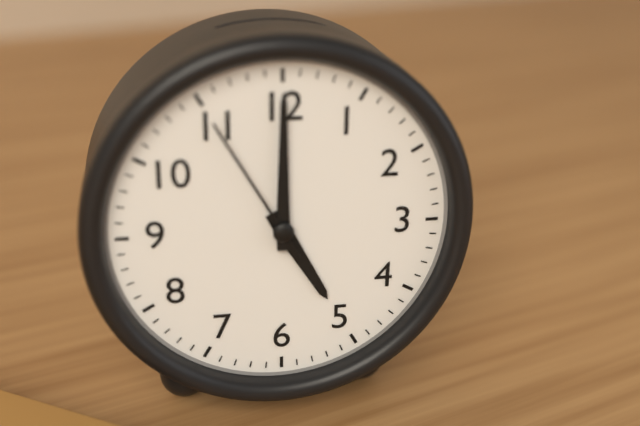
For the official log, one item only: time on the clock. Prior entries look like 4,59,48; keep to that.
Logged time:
5,00,55
